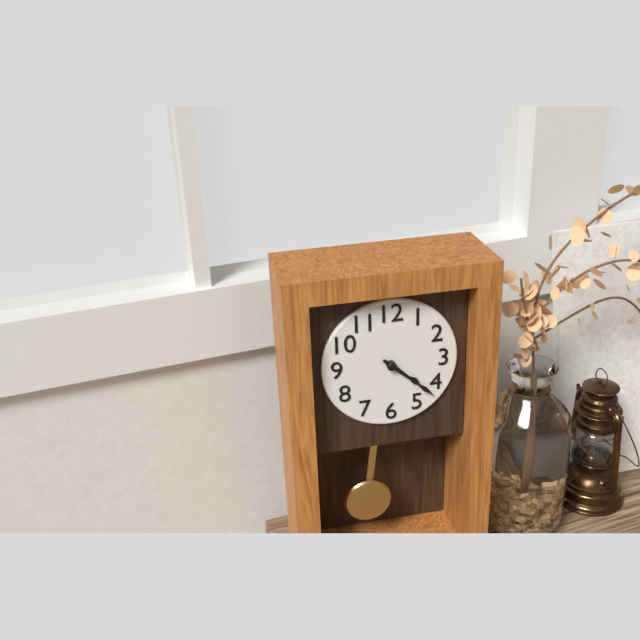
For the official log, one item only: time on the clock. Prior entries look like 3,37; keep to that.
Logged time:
4,22
